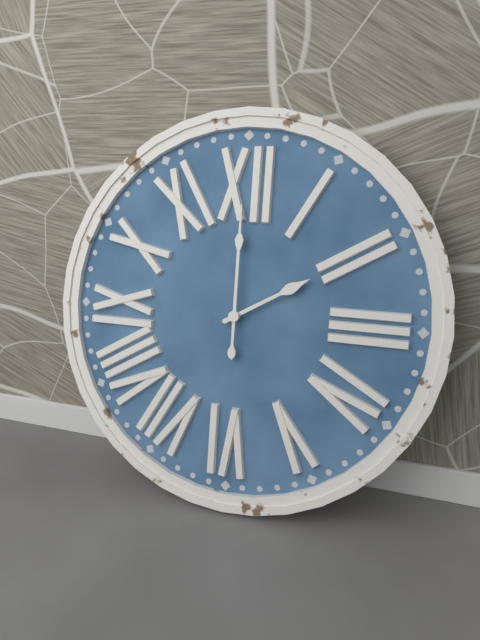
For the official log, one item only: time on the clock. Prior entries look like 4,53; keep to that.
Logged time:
2,00
